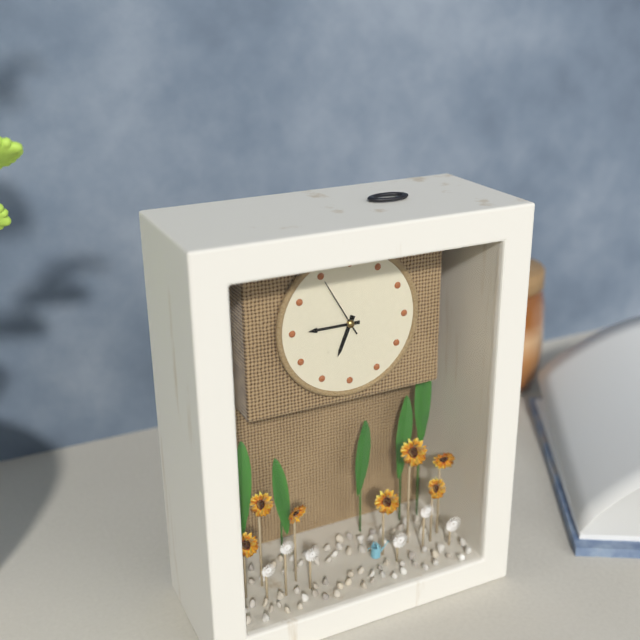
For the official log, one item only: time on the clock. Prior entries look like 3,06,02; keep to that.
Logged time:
6,45,55
